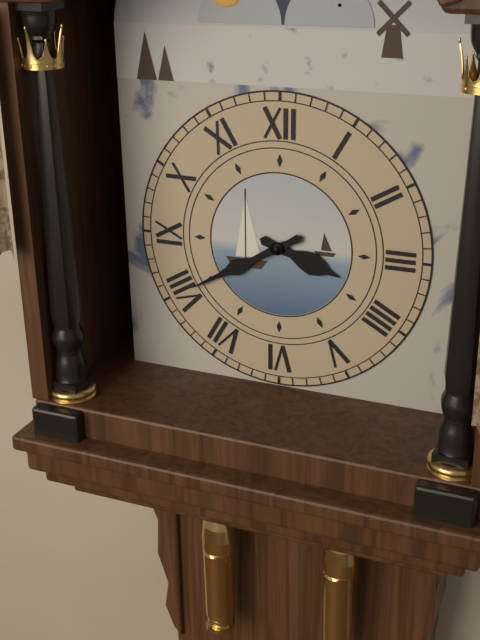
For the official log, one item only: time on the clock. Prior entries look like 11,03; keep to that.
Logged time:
3,40
